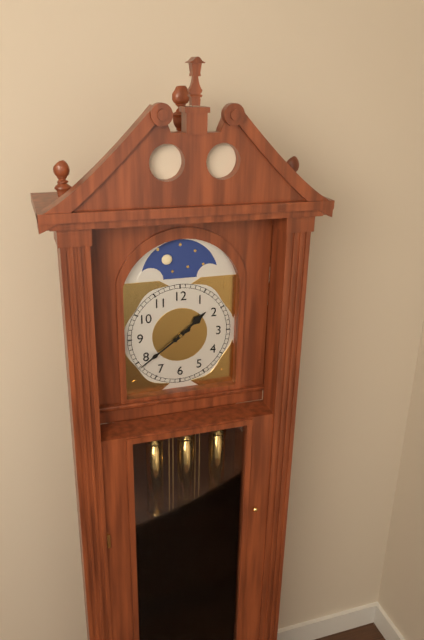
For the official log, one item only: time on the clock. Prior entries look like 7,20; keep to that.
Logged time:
1,39
